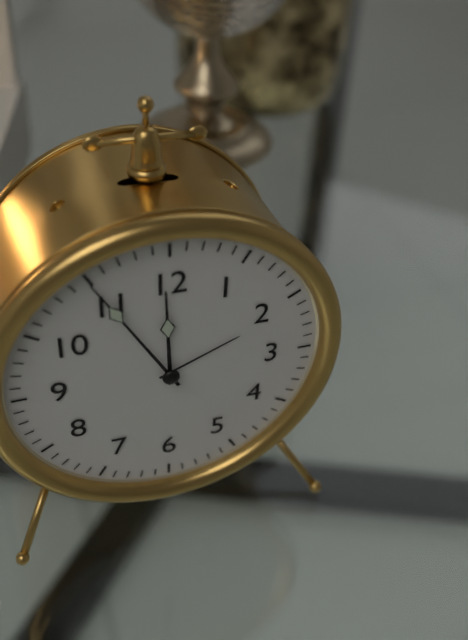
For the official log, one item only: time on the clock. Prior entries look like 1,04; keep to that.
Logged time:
11,55
